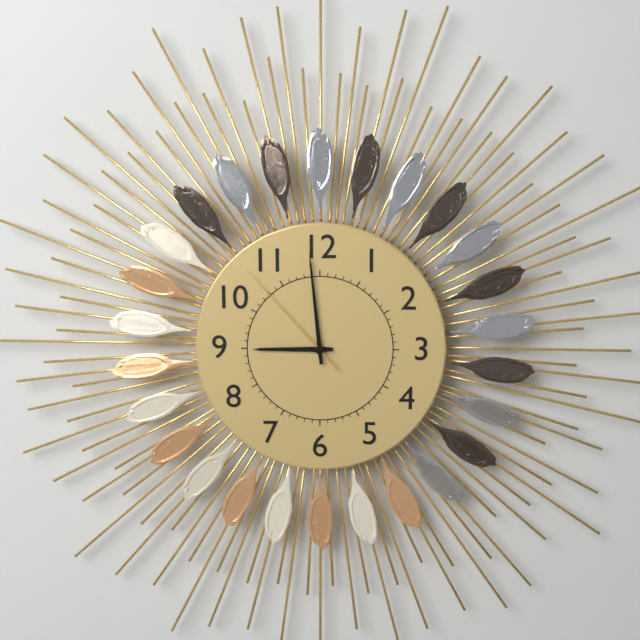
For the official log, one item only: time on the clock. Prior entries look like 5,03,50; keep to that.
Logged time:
8,59,53
